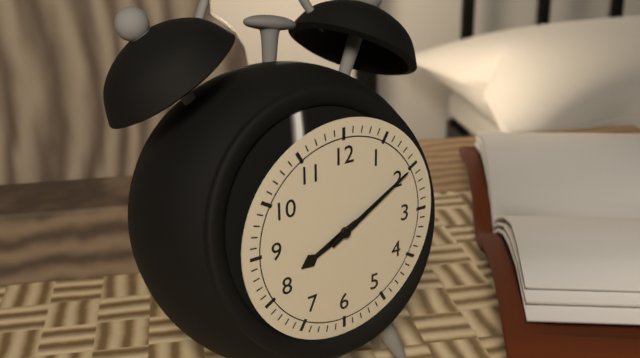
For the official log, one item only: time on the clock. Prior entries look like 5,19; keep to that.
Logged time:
8,10
